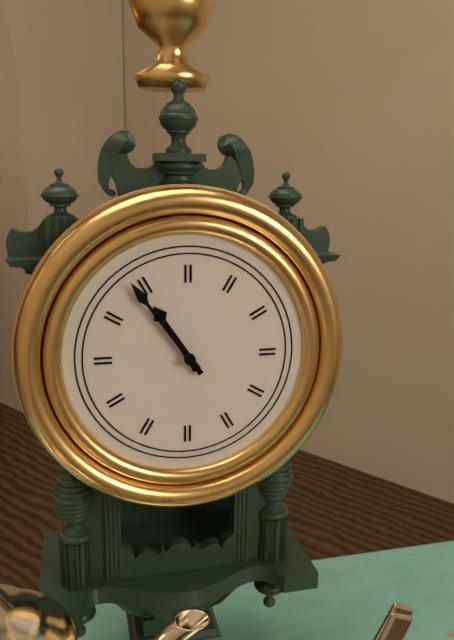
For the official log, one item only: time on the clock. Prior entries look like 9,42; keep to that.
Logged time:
10,54
